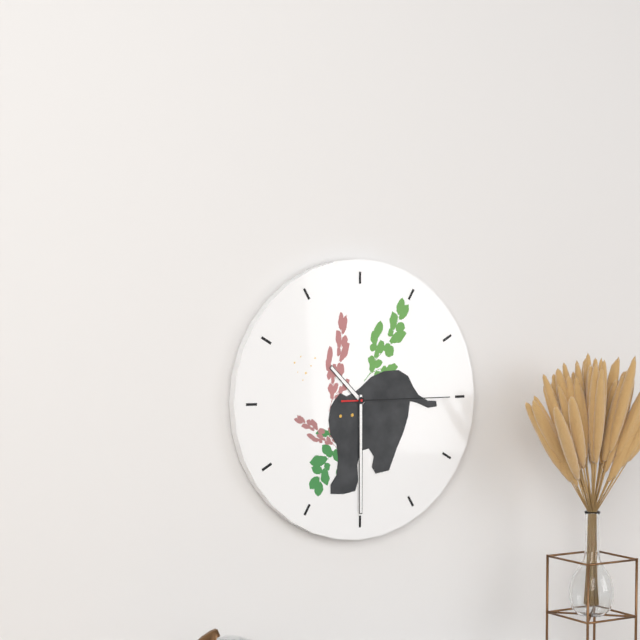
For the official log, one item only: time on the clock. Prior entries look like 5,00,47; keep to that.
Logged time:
10,30,15
